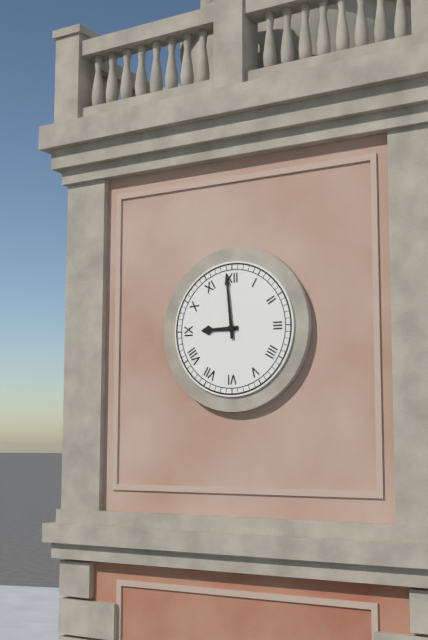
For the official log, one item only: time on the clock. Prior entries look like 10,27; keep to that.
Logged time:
8,59
